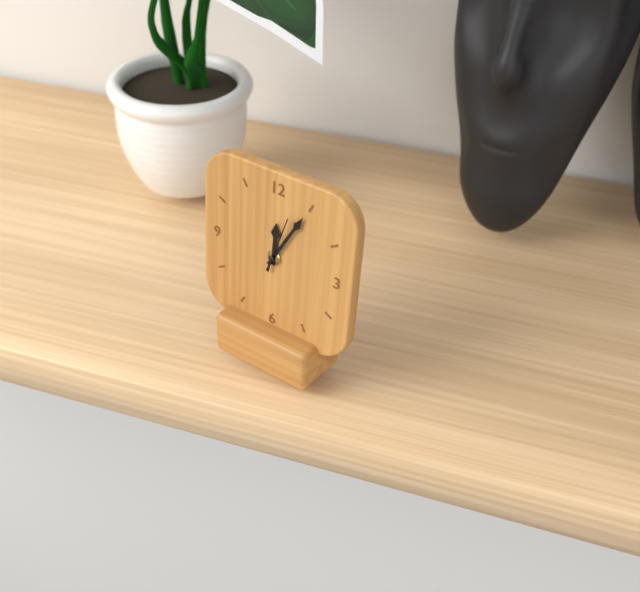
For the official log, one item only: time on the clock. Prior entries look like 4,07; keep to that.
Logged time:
12,05
